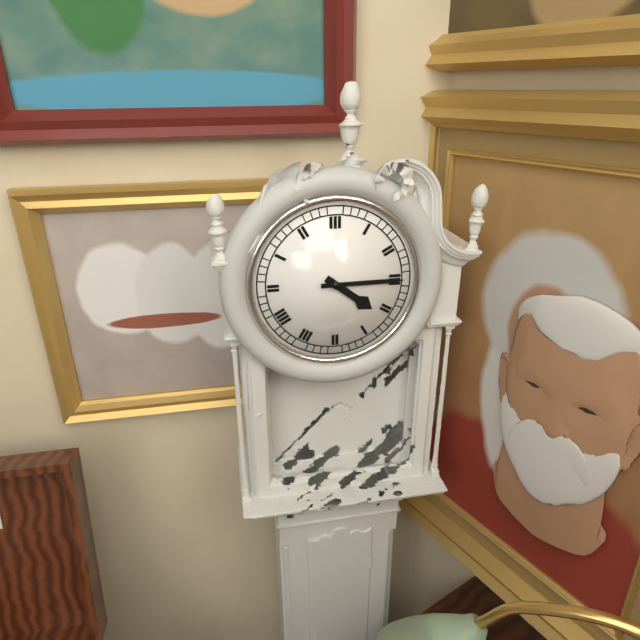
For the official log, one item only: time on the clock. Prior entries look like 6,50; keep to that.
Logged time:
4,15
